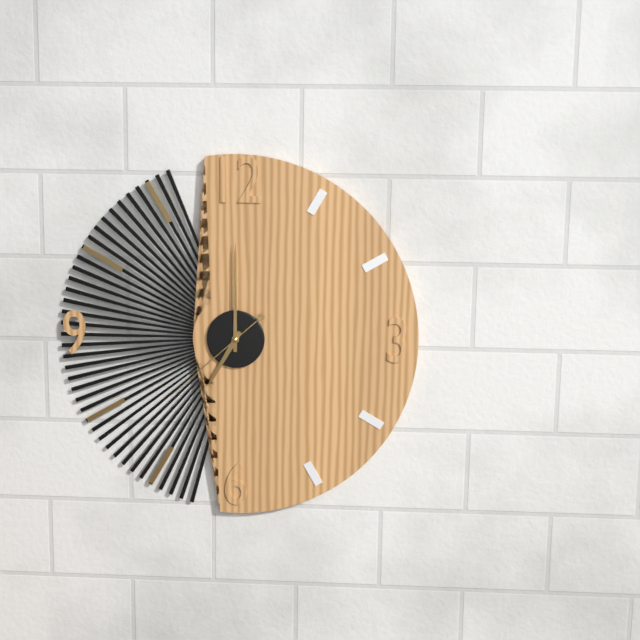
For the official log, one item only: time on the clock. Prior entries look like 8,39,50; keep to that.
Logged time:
7,00,38
